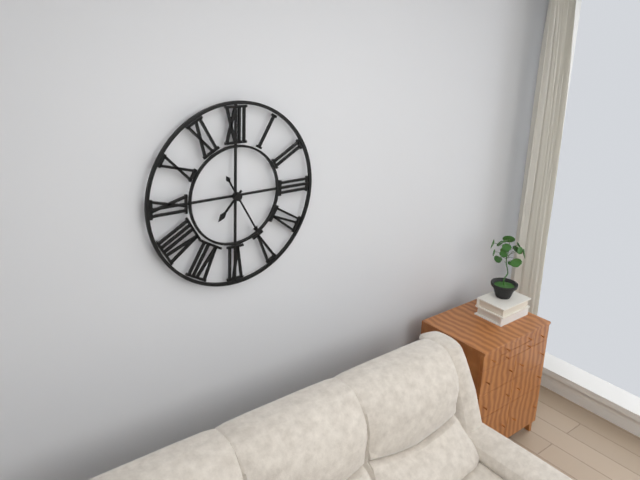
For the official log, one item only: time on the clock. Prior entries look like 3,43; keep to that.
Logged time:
7,25
